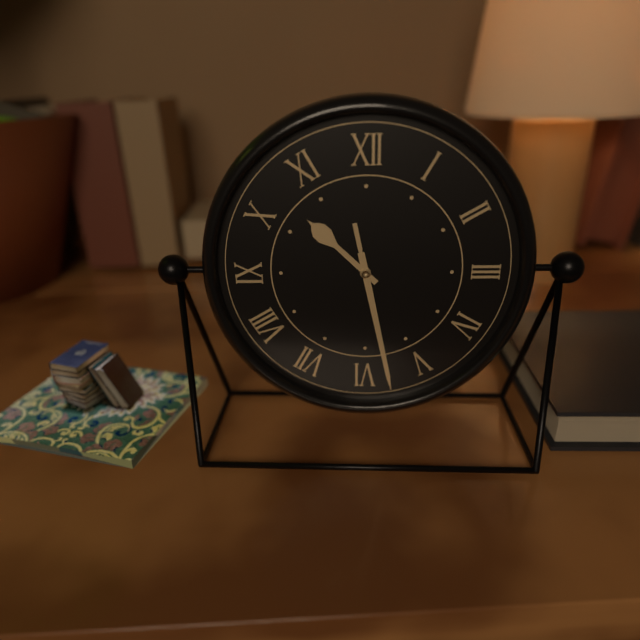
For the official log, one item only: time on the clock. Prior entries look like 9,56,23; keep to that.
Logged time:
10,28,28
